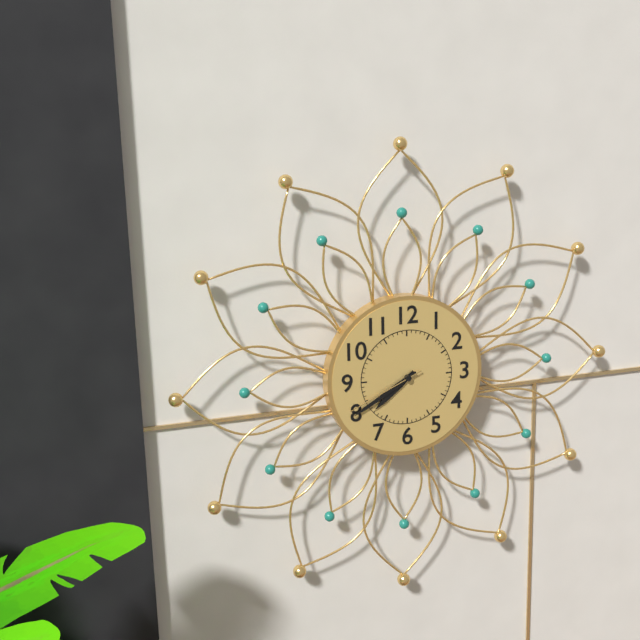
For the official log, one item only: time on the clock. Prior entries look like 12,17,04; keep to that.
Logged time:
7,40,41
